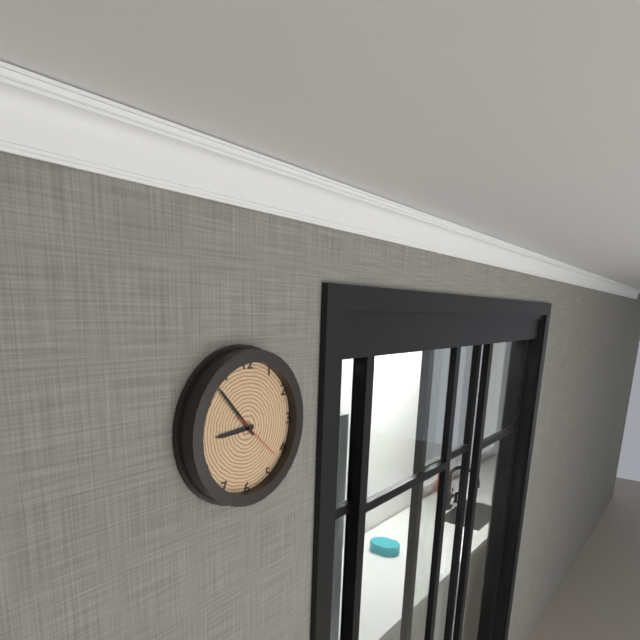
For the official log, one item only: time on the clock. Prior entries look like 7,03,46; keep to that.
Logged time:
8,53,22
